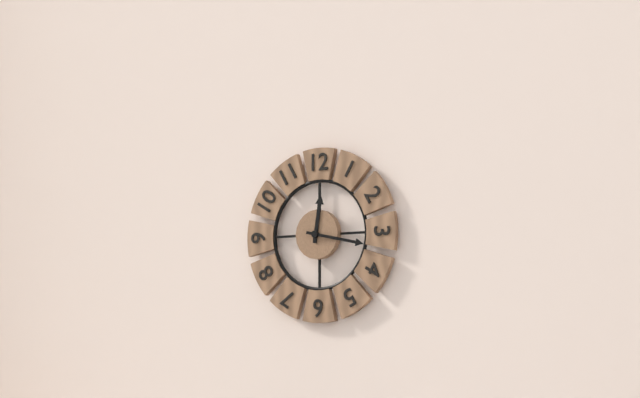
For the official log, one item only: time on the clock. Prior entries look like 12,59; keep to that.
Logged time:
12,17
